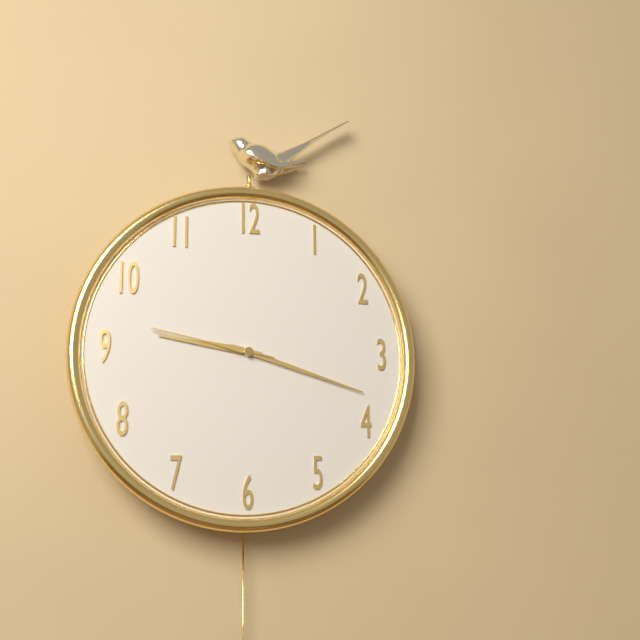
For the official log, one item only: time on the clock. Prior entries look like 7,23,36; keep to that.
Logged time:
9,18,47
